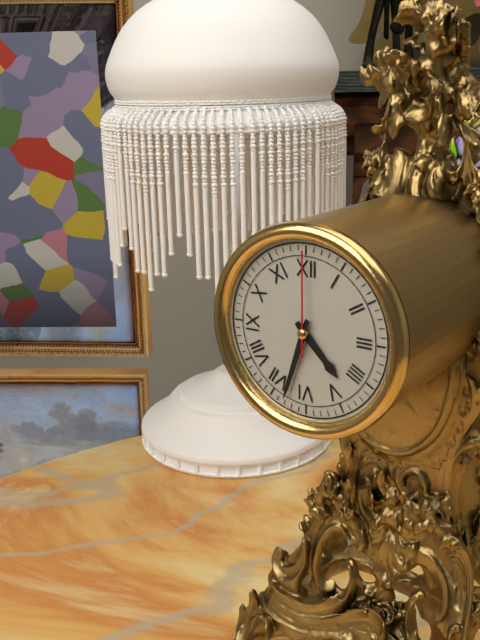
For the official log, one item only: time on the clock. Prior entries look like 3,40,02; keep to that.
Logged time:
4,33,00
